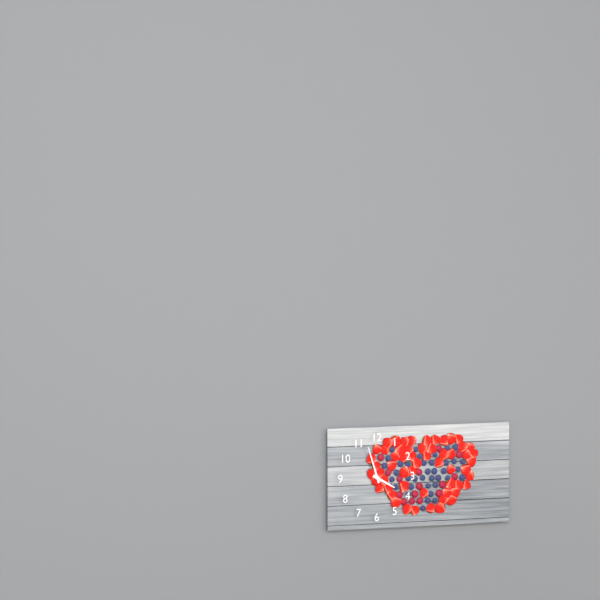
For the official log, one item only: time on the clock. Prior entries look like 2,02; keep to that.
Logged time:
3,57
